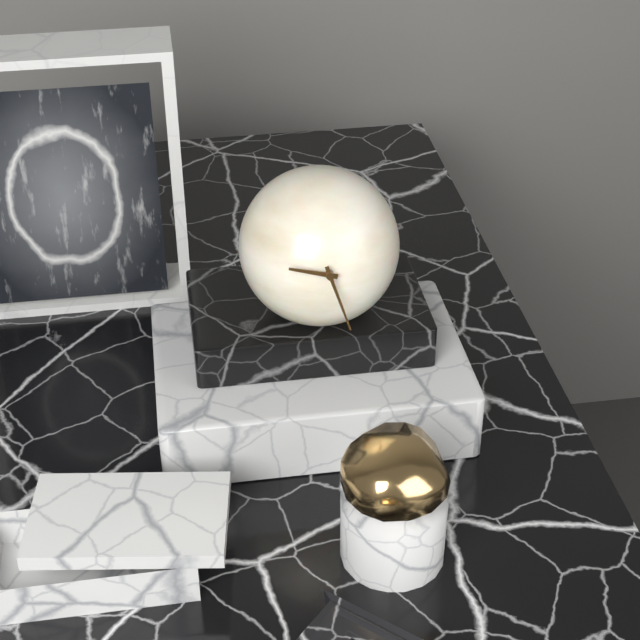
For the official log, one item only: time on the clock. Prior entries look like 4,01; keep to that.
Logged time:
9,27
